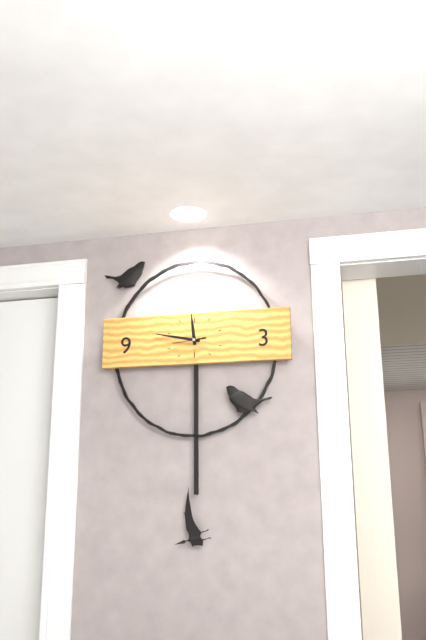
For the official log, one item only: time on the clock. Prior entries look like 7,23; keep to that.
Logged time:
11,47
